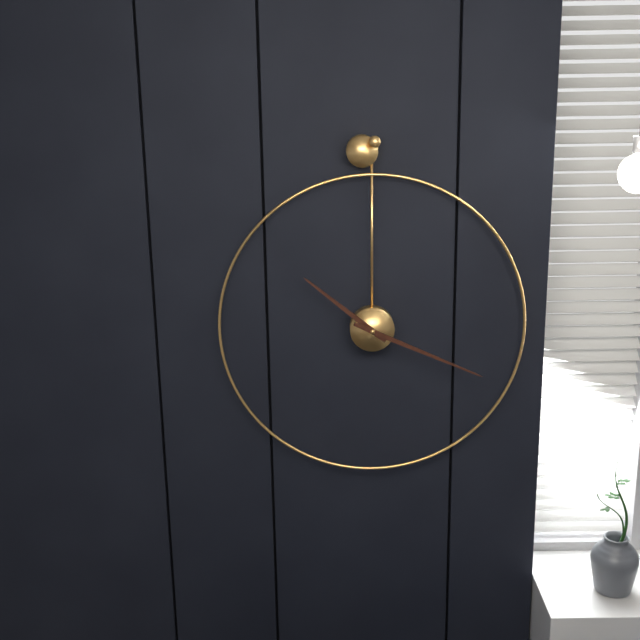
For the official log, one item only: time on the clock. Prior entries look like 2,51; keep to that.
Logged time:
10,19
